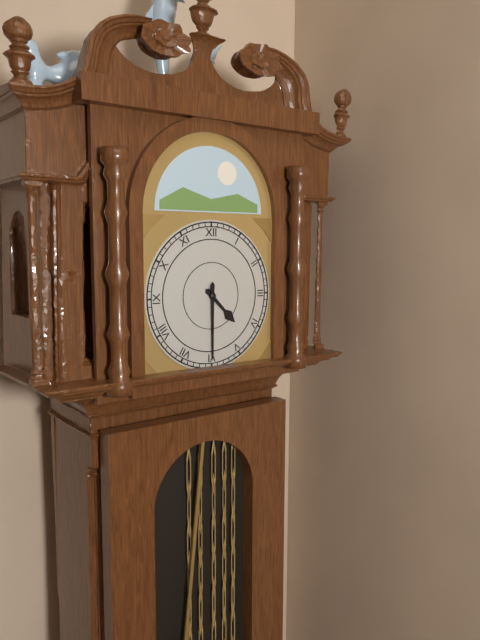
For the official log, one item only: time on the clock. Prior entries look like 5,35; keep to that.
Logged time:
4,30
